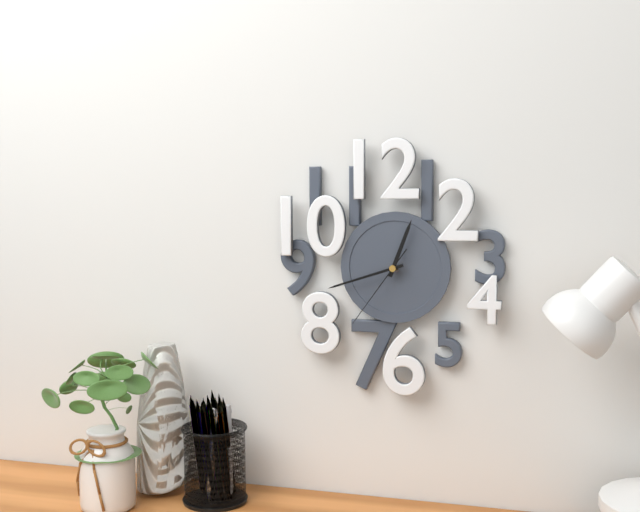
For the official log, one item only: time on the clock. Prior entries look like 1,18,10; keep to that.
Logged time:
12,42,36
